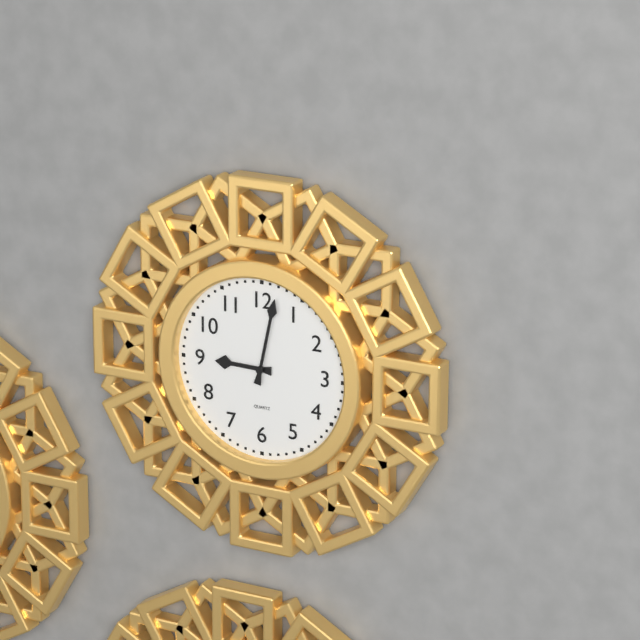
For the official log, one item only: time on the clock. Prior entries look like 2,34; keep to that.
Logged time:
9,02
